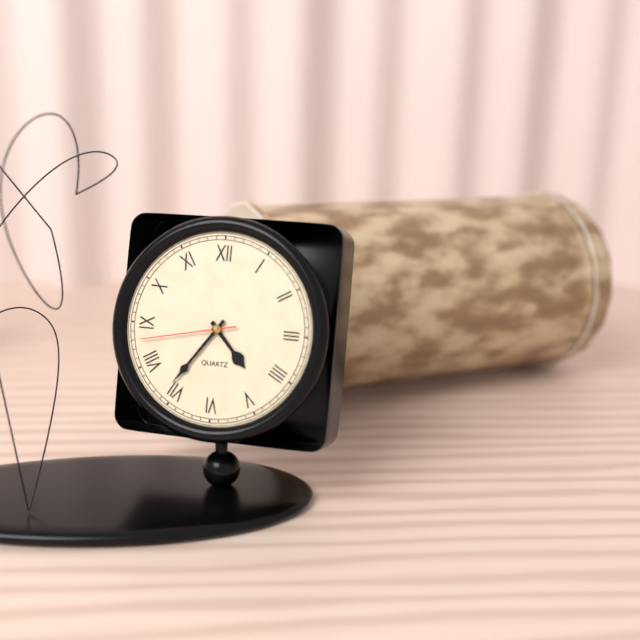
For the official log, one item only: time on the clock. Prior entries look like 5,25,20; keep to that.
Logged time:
4,36,43
